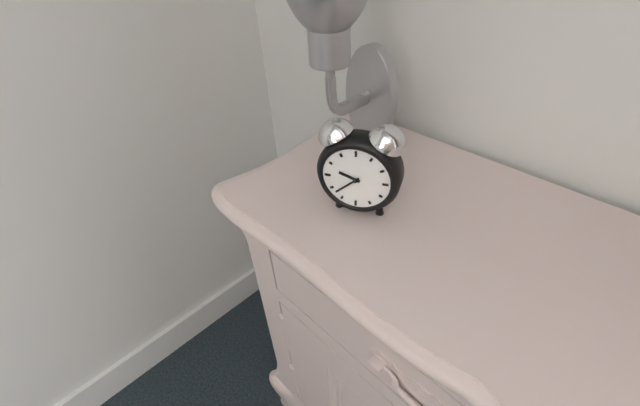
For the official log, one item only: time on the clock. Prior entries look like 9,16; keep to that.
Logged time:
9,38
